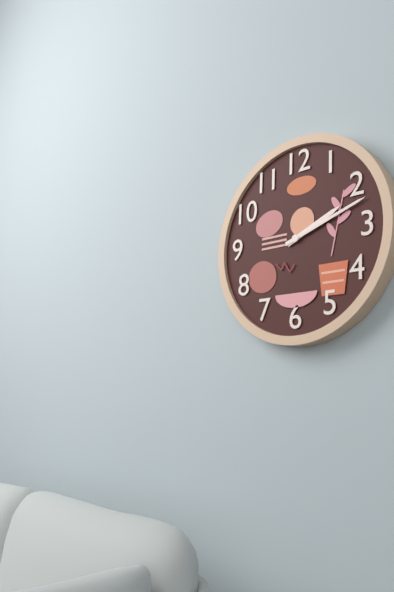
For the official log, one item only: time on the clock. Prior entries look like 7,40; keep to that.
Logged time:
2,12
